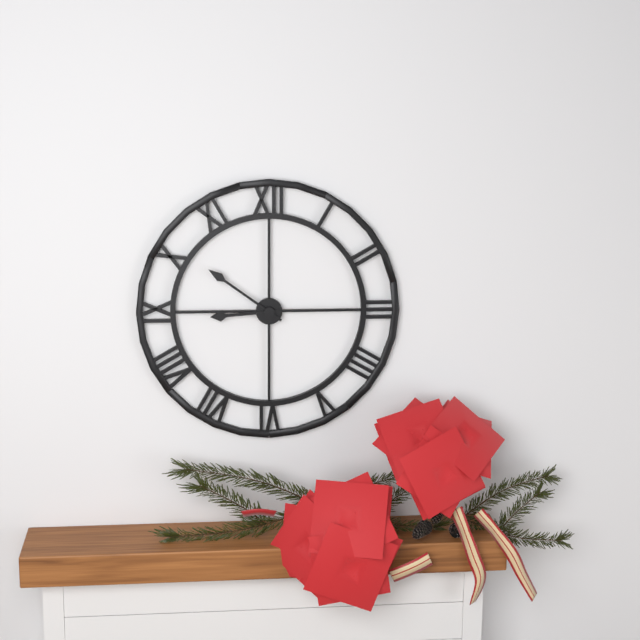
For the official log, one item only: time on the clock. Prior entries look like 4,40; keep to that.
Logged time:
8,51
